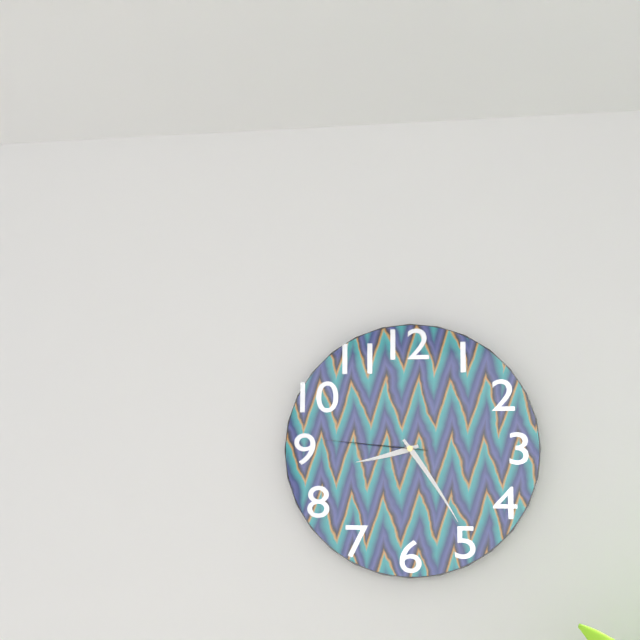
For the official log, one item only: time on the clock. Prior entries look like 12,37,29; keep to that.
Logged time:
8,24,46
